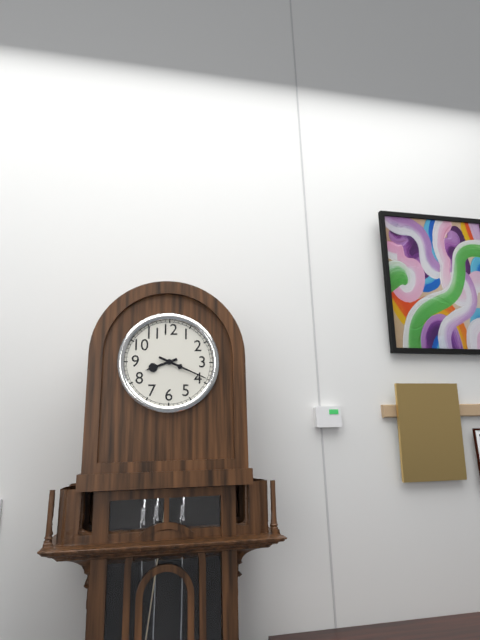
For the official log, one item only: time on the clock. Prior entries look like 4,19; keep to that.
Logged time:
8,19
